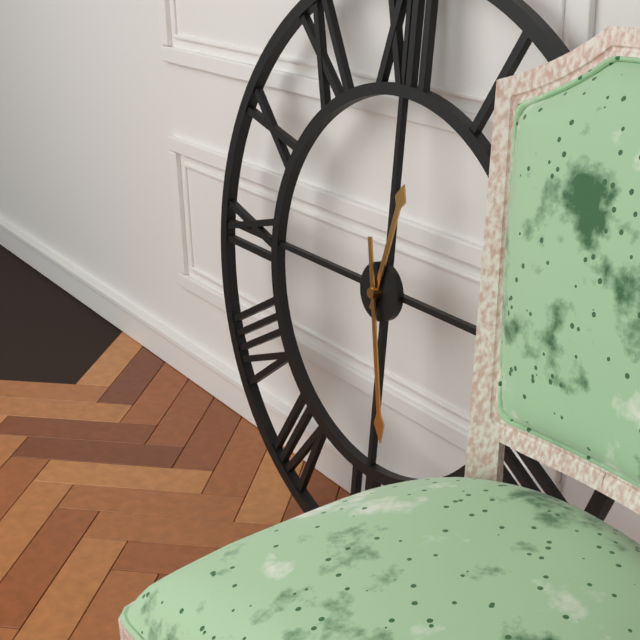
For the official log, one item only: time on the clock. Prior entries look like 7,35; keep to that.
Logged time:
12,28
